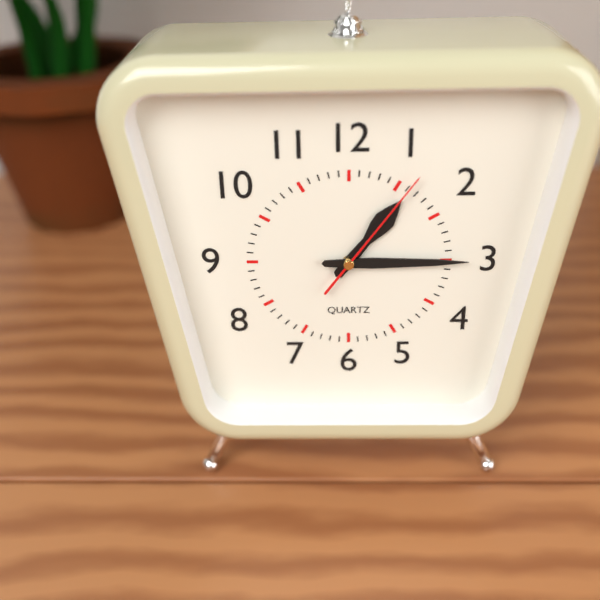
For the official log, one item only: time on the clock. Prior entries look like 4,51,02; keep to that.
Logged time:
1,15,06
